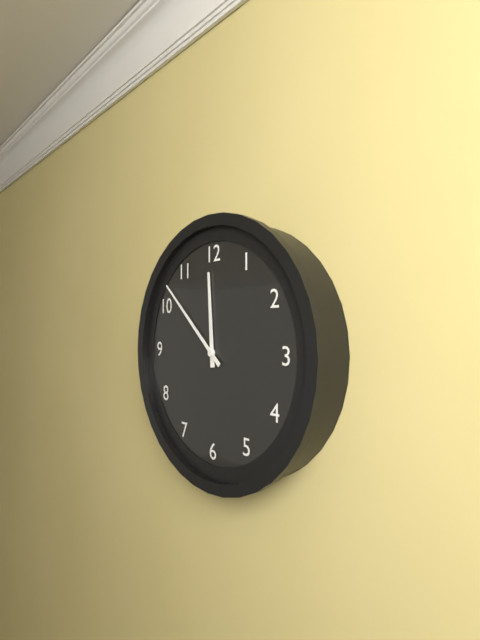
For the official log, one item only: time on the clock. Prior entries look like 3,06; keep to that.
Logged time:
11,52
